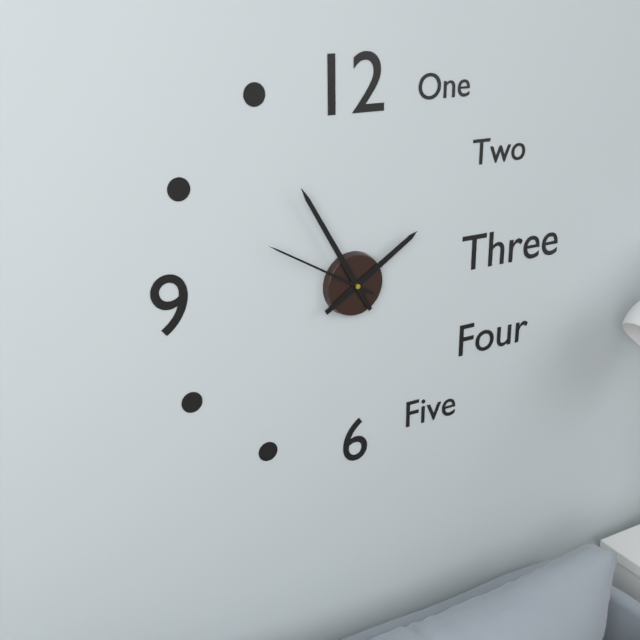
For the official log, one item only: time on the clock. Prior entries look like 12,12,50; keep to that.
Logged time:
1,55,50
